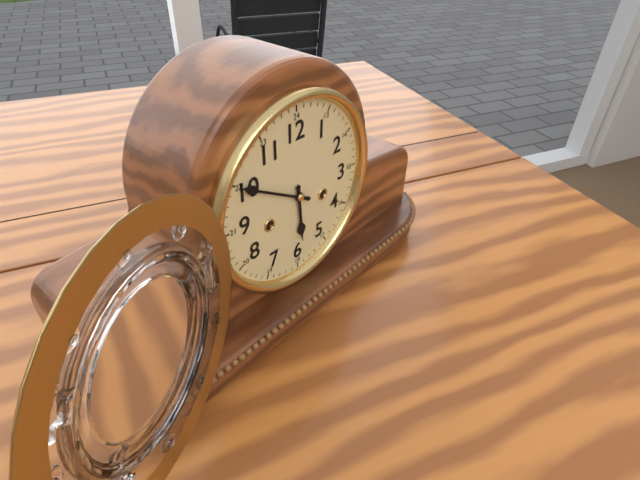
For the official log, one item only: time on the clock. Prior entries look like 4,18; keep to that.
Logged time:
5,50
